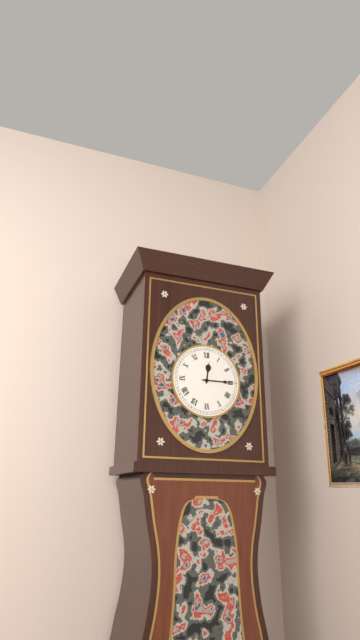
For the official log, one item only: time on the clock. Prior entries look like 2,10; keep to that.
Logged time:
12,15
